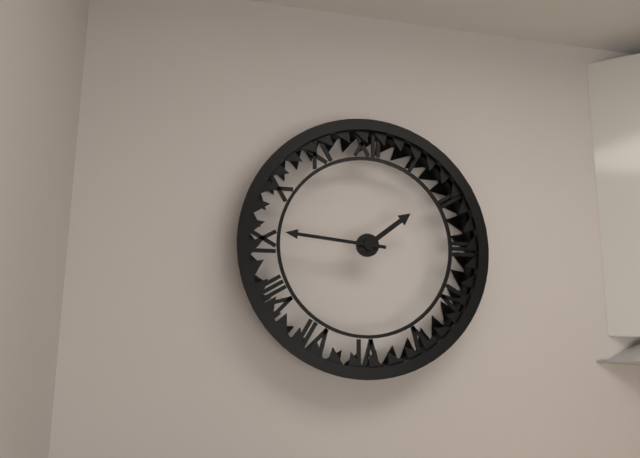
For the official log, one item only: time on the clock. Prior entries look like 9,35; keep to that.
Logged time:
1,46
